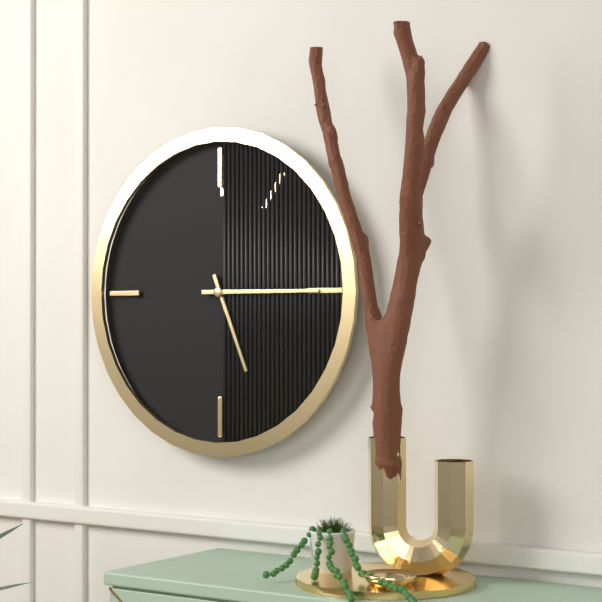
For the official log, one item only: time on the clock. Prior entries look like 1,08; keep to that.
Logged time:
5,15
